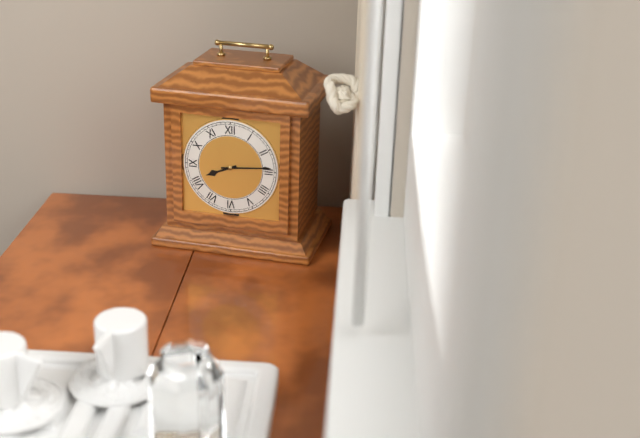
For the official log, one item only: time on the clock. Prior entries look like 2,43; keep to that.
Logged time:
8,14
